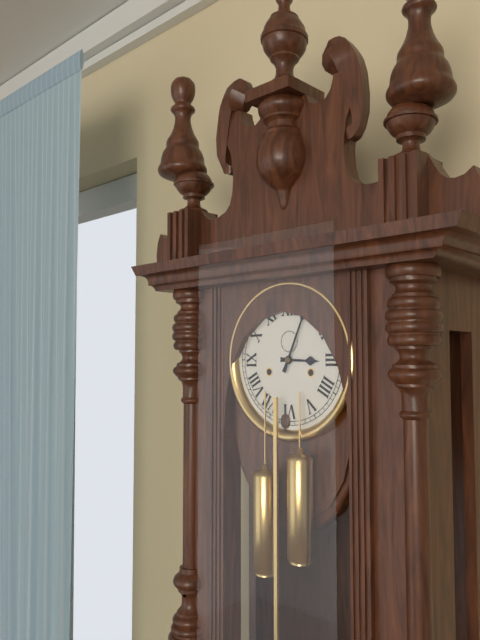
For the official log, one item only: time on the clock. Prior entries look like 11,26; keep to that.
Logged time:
3,04
